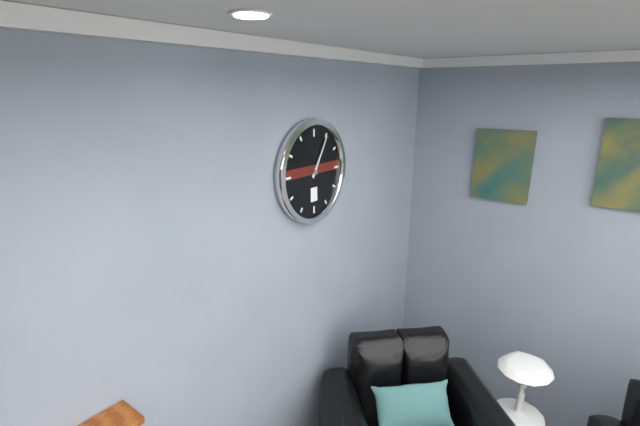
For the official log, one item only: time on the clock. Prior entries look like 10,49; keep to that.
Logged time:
1,05
